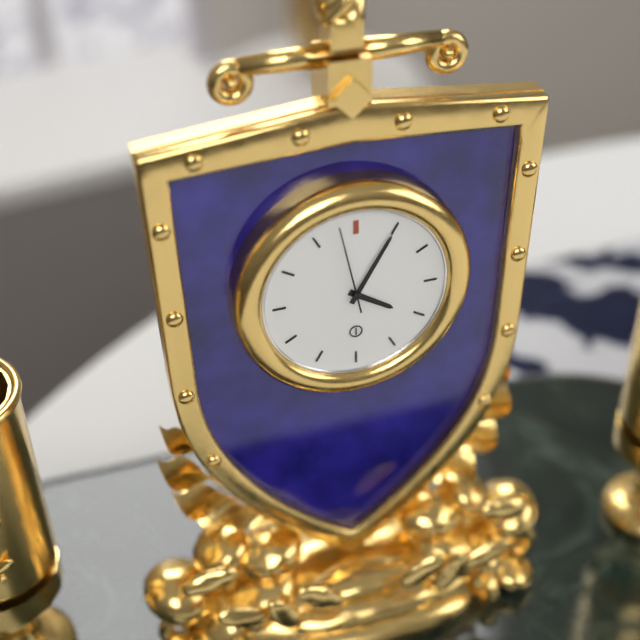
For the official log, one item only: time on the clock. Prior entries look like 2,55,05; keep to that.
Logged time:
4,05,58
